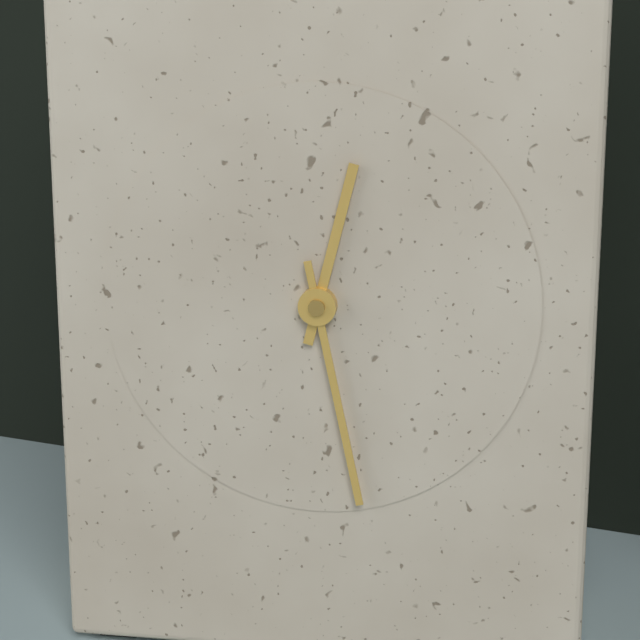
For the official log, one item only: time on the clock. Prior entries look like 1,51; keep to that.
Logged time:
12,28
